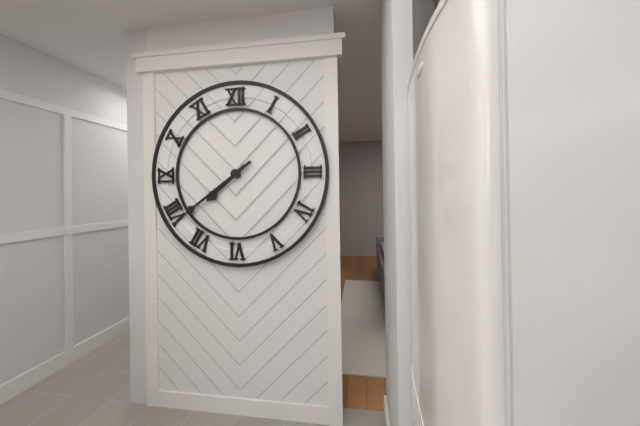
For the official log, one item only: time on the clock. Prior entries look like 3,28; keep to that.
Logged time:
7,39
